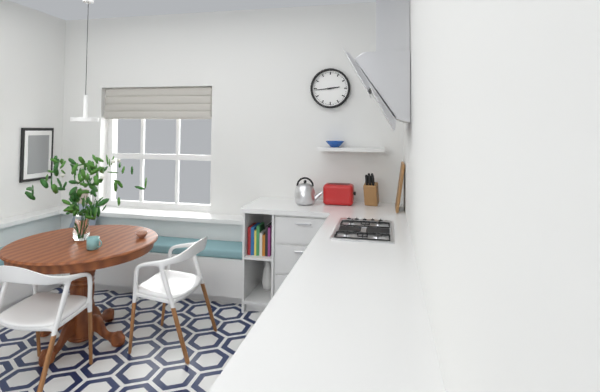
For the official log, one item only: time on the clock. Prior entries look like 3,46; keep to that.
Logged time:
2,44
